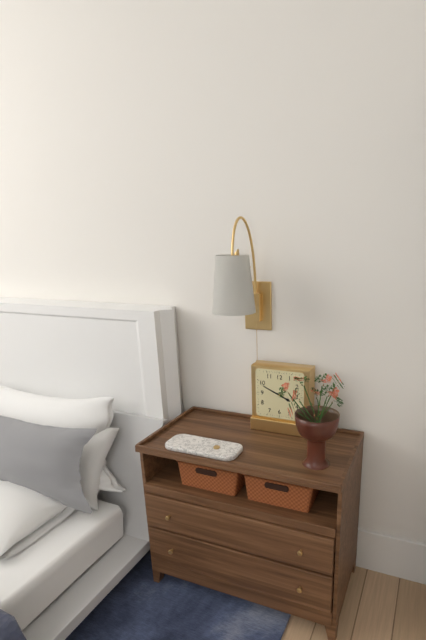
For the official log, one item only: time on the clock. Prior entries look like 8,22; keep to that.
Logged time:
3,49
